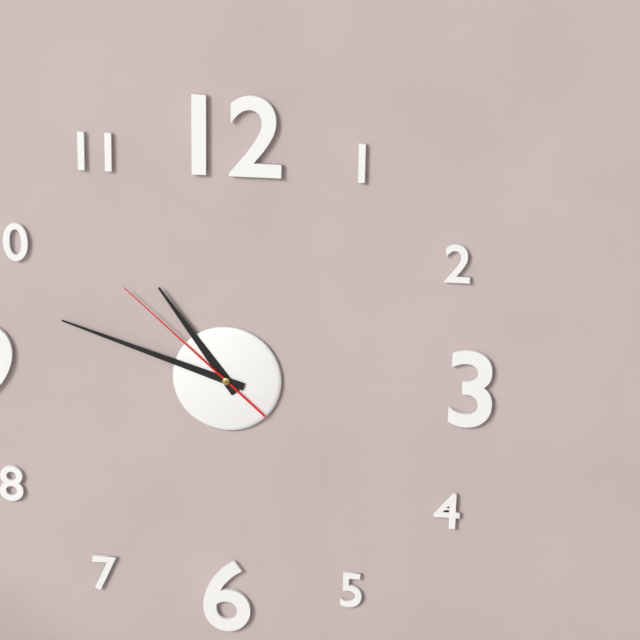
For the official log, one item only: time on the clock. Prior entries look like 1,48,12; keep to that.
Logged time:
10,48,52
